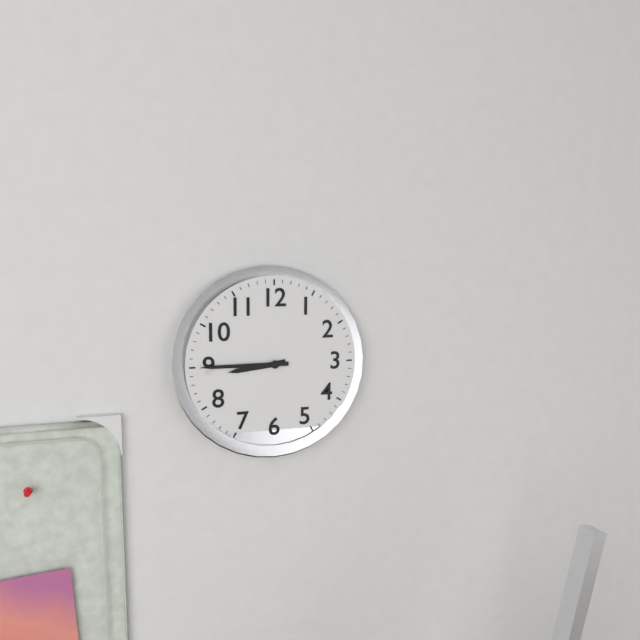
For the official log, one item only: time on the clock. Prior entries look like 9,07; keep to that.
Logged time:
8,45
